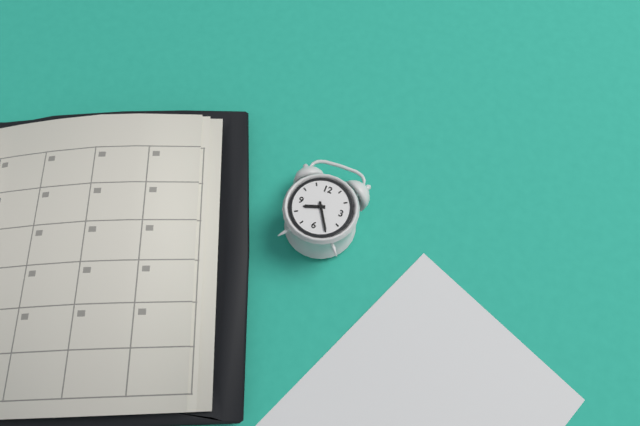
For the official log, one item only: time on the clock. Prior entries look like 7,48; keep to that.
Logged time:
8,25
